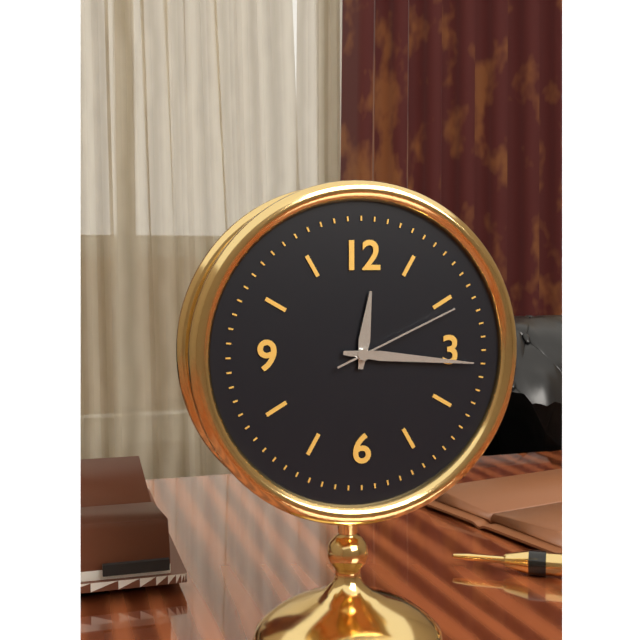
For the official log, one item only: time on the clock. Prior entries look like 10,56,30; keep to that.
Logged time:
12,16,11
